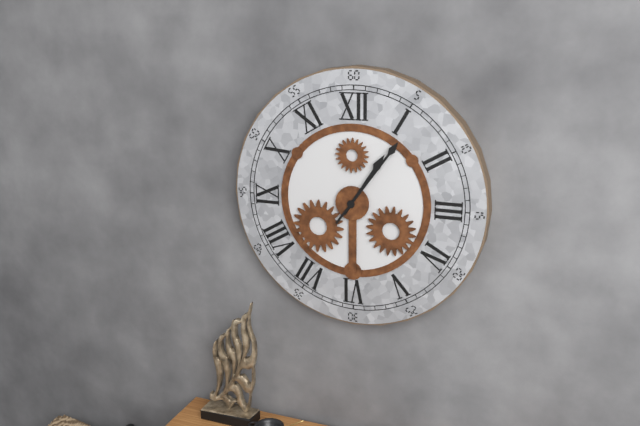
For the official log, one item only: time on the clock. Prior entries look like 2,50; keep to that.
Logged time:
1,06
